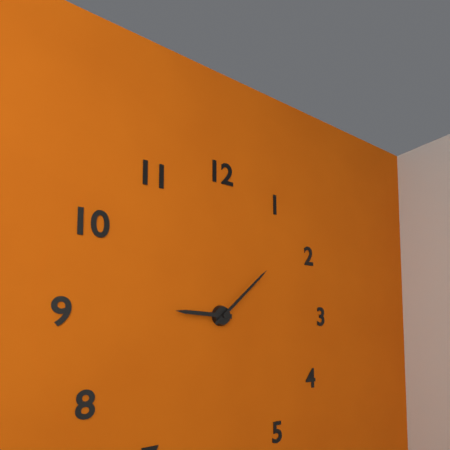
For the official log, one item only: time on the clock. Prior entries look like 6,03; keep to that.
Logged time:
9,08
